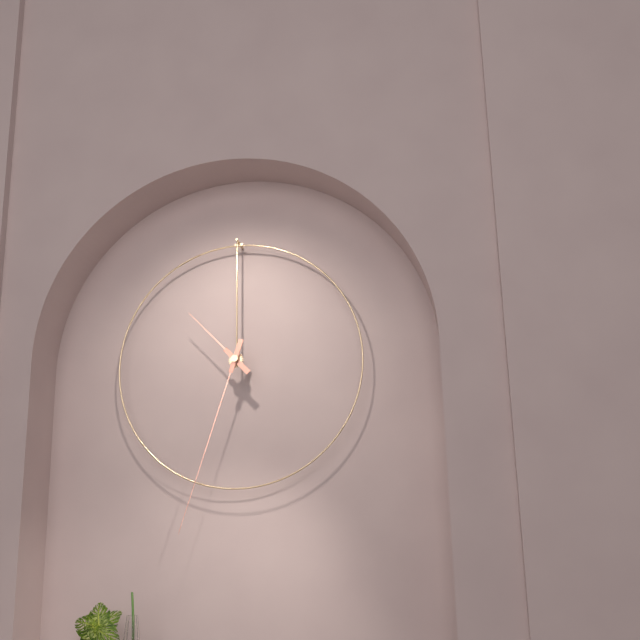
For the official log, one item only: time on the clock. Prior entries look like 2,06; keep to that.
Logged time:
10,33
